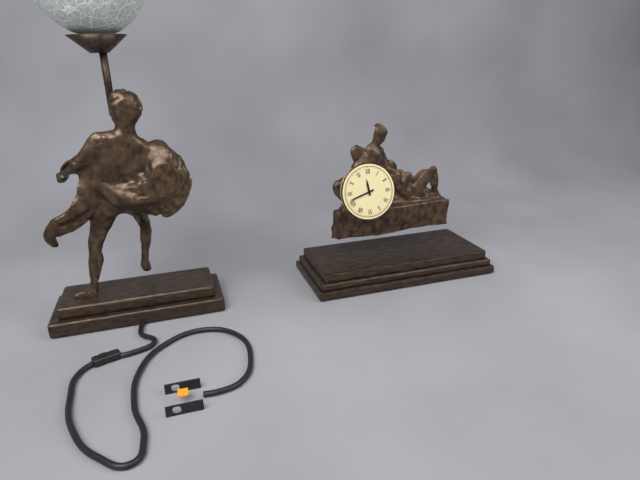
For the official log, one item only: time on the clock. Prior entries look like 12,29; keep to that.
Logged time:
11,42
